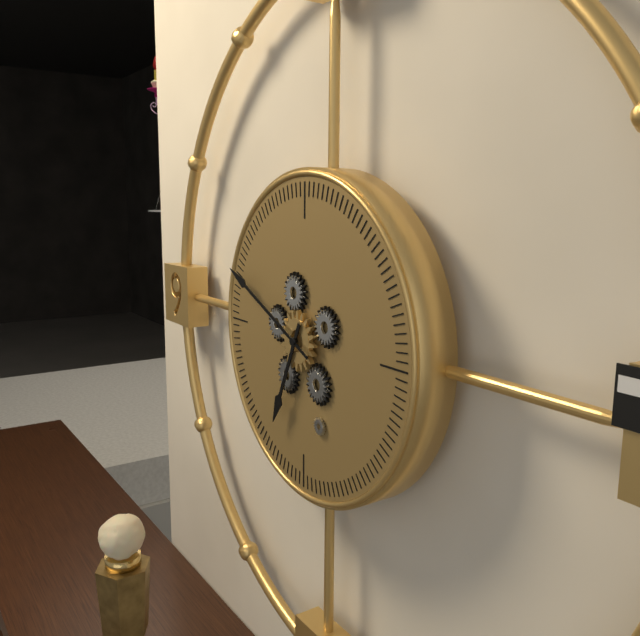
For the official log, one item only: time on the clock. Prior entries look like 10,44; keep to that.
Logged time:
6,49
